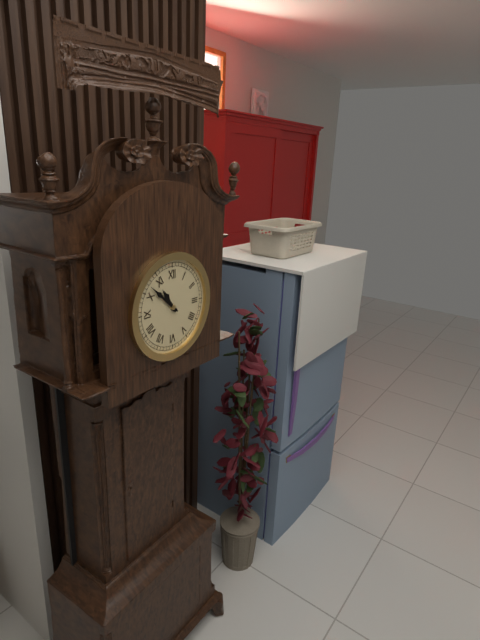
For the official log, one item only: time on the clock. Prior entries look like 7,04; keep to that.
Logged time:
10,52
